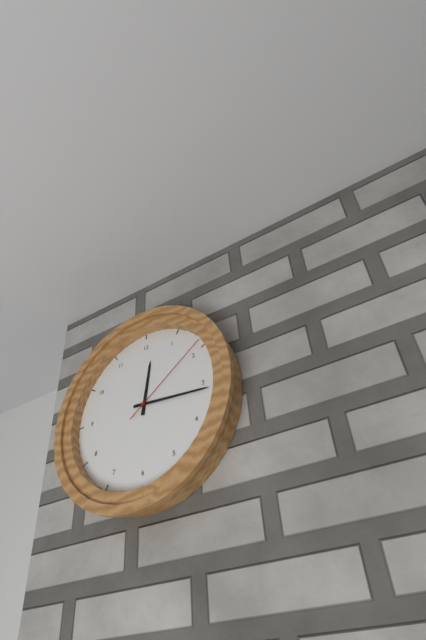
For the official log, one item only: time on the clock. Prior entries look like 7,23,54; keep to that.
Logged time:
12,16,09
